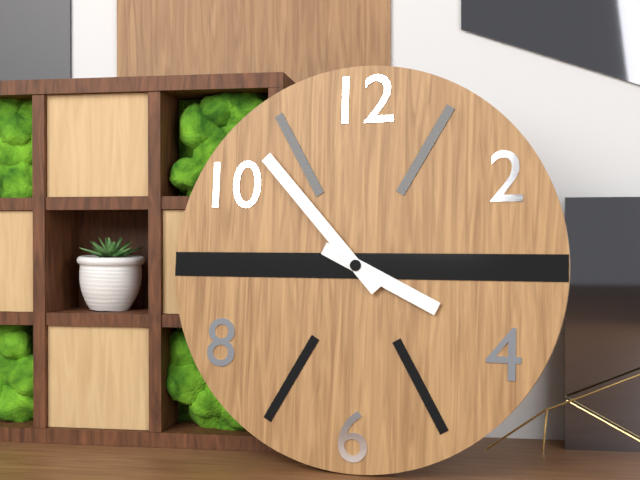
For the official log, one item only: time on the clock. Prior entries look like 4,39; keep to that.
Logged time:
3,53
